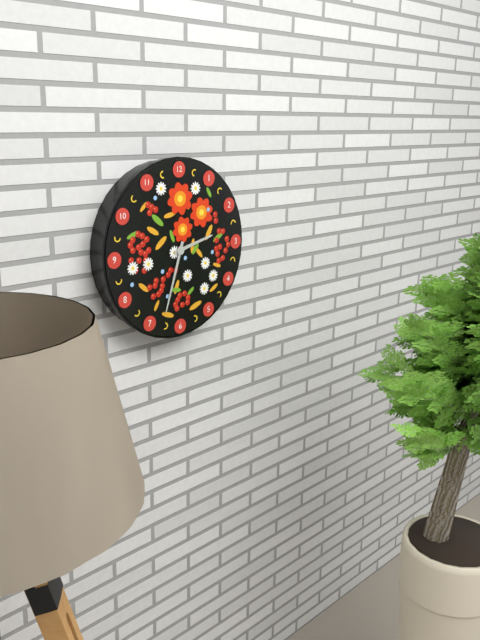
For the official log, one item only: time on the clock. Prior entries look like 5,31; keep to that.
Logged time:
2,33
